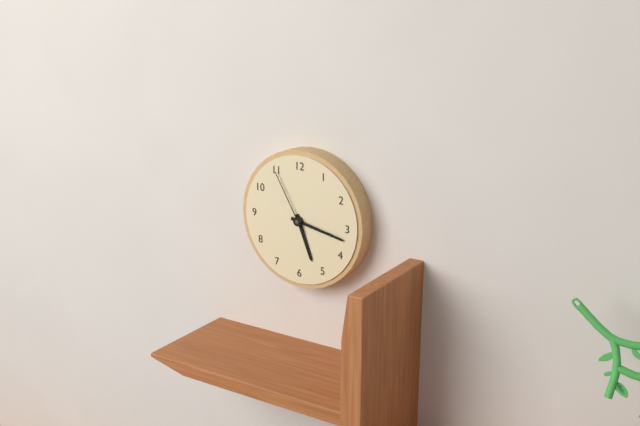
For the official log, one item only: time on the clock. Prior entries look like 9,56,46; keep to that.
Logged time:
5,17,55
